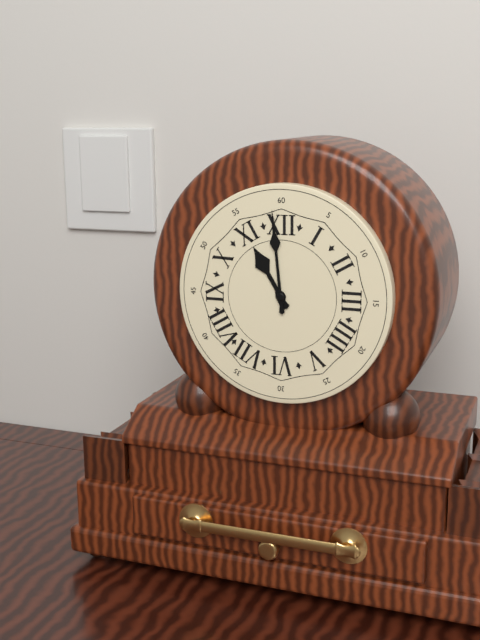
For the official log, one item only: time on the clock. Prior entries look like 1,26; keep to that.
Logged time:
10,59
